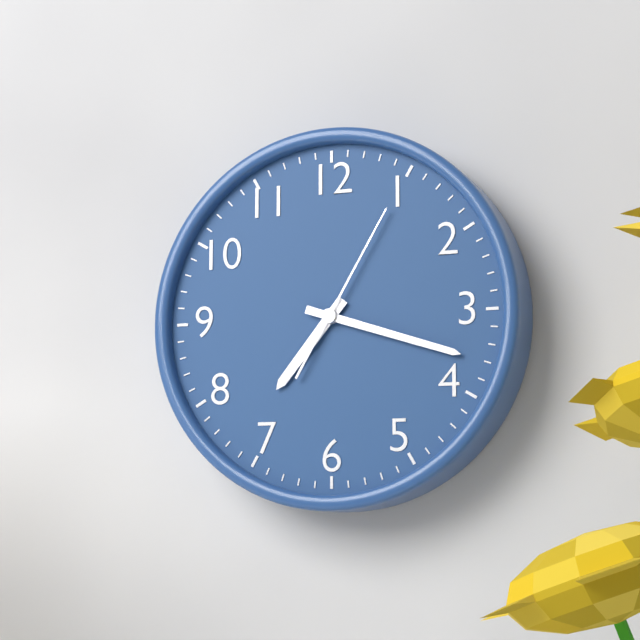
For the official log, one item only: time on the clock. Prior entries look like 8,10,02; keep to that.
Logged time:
7,18,05
